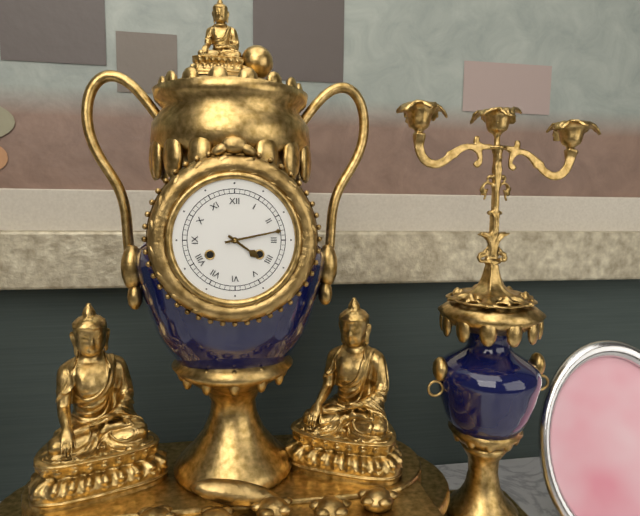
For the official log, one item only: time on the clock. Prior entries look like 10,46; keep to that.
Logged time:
4,13
